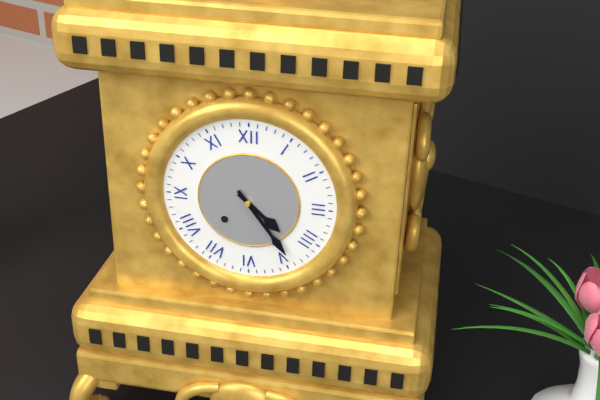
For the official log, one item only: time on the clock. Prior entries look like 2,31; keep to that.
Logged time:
4,24
